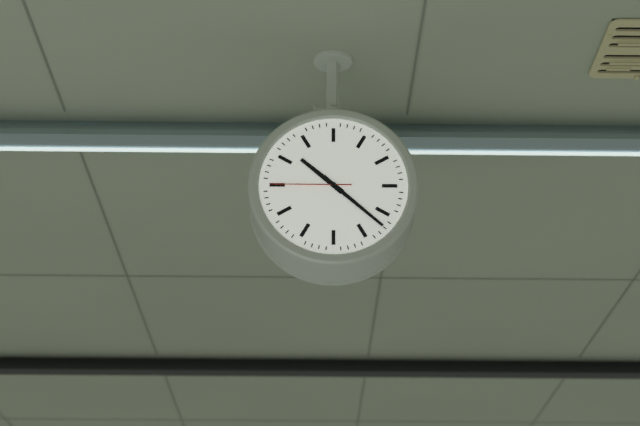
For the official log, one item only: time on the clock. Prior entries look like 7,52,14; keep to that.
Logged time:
10,22,45
